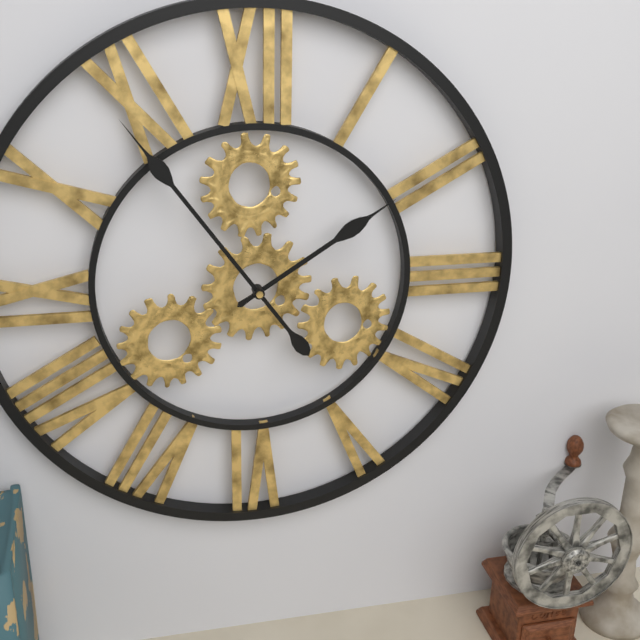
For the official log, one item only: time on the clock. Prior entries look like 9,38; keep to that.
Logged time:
1,54
